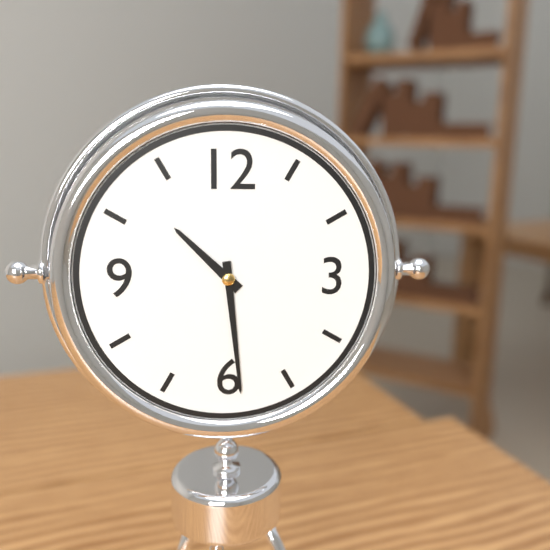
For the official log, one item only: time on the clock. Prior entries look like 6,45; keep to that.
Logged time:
10,29
